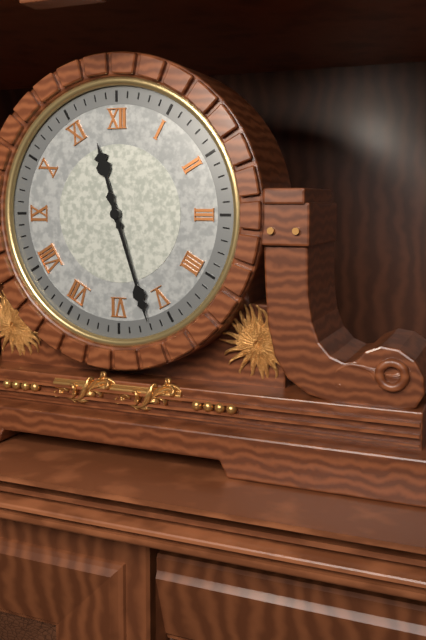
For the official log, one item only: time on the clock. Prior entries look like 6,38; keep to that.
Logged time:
11,27
